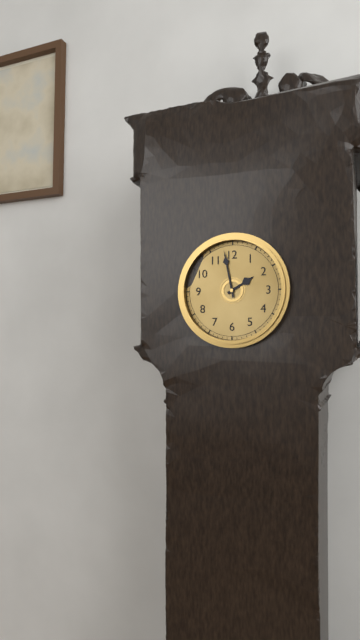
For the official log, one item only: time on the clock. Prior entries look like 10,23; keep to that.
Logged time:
1,58
